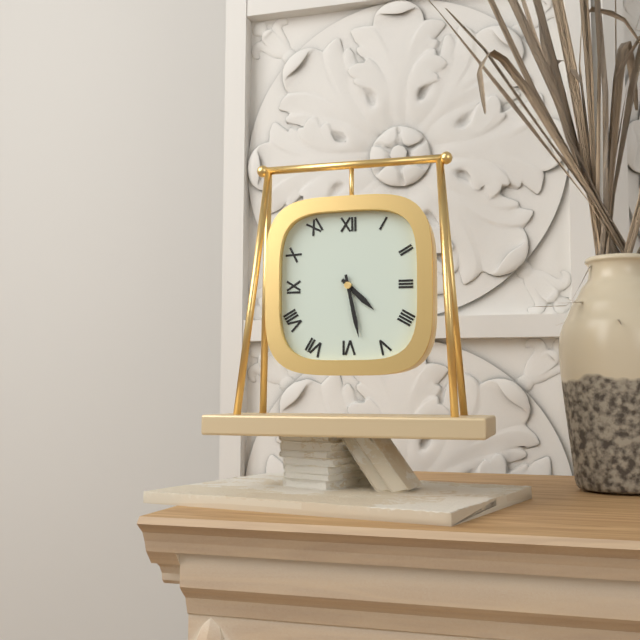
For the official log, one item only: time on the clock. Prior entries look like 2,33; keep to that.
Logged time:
4,28
